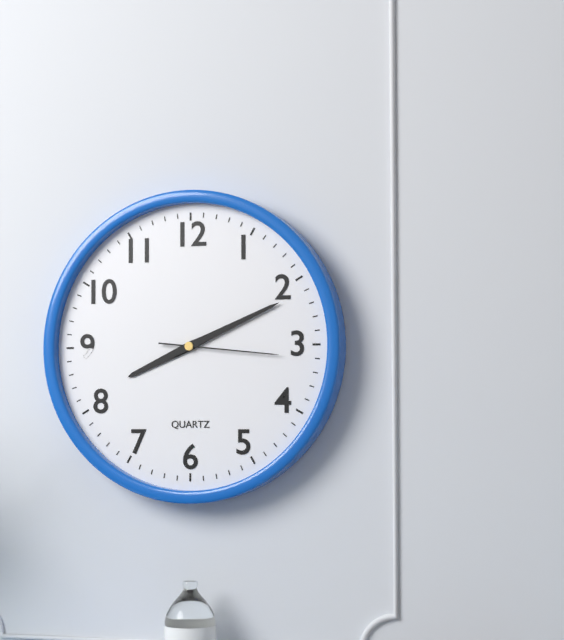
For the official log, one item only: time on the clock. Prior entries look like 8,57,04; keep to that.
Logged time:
8,11,16
